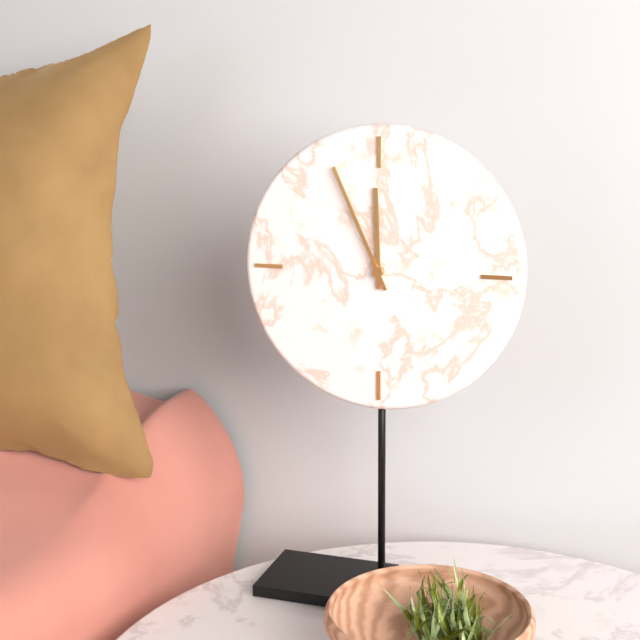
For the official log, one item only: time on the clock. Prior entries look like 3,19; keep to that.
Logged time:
11,56
